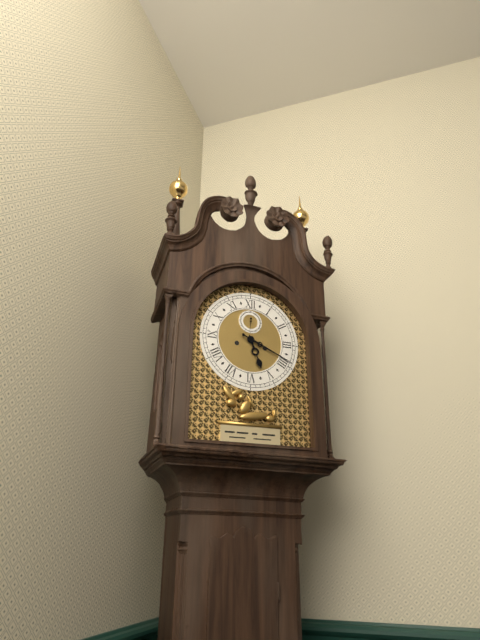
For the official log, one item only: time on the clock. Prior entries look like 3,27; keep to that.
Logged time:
5,19
